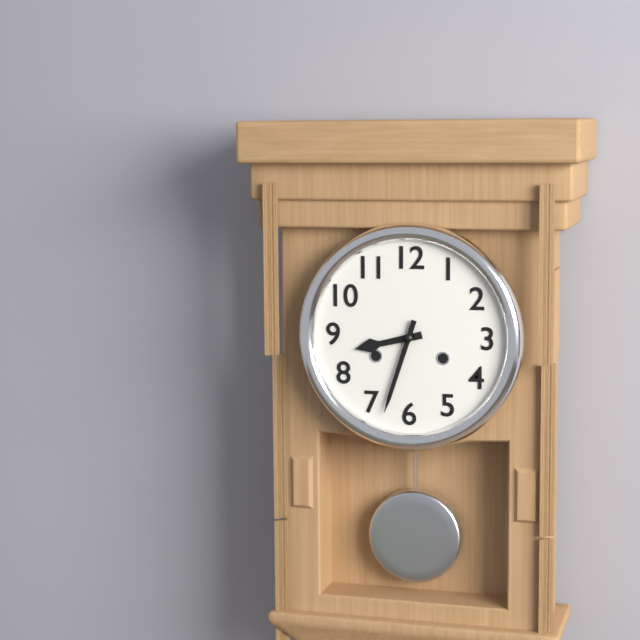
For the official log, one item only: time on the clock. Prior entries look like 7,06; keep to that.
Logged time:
8,33
